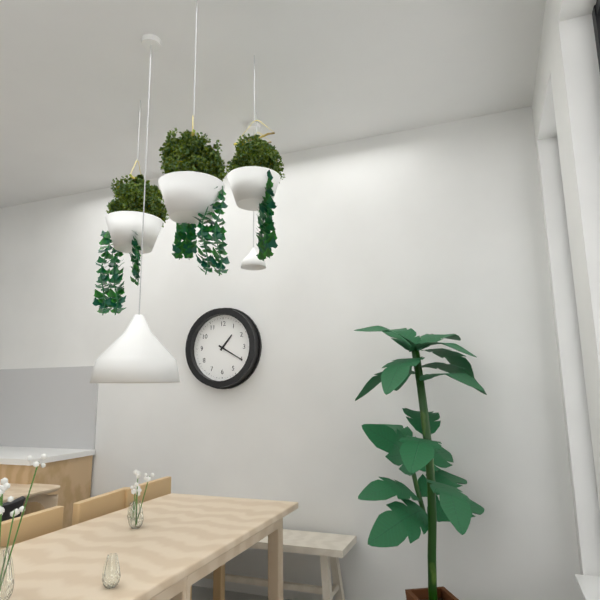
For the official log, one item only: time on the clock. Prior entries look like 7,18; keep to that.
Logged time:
1,20
